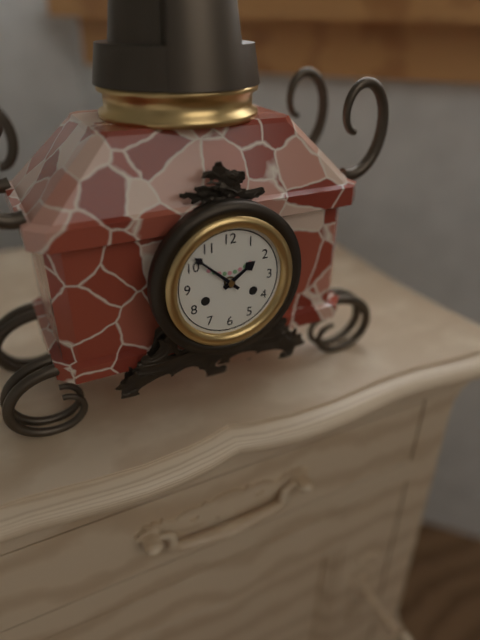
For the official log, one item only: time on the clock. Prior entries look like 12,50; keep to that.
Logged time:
1,52
